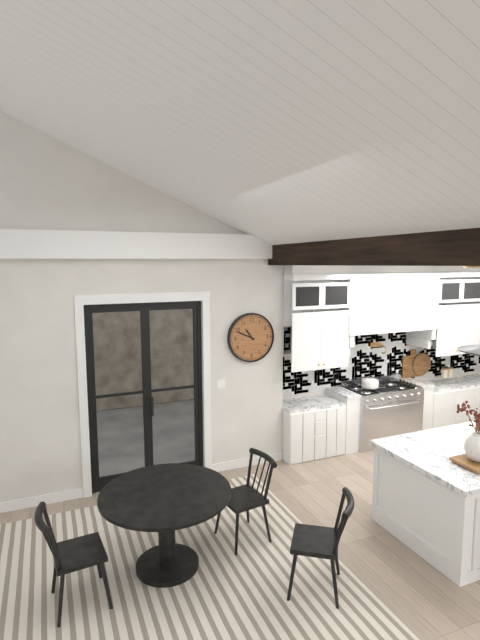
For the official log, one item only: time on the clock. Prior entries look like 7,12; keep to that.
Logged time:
10,49
